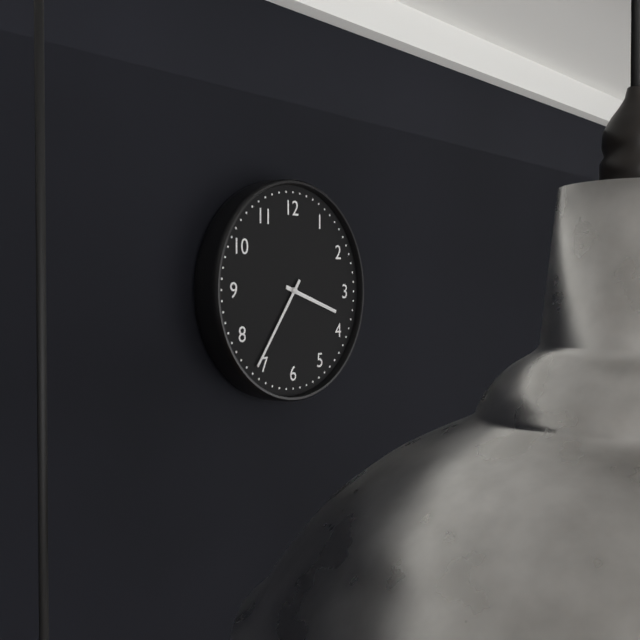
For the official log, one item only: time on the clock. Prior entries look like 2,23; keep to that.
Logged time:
3,36
